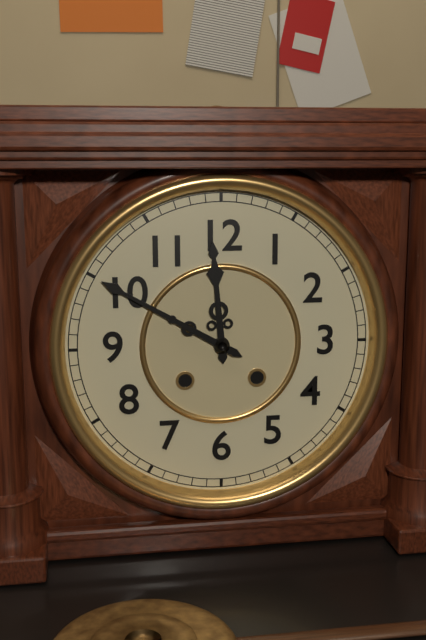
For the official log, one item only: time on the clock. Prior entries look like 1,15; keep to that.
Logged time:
11,50
